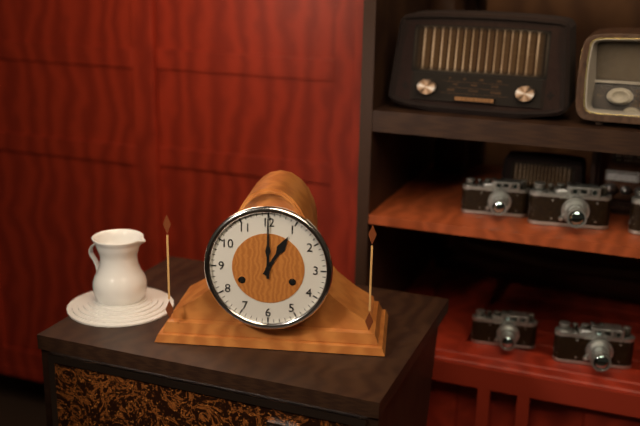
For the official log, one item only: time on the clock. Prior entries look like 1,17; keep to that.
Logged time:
1,00
